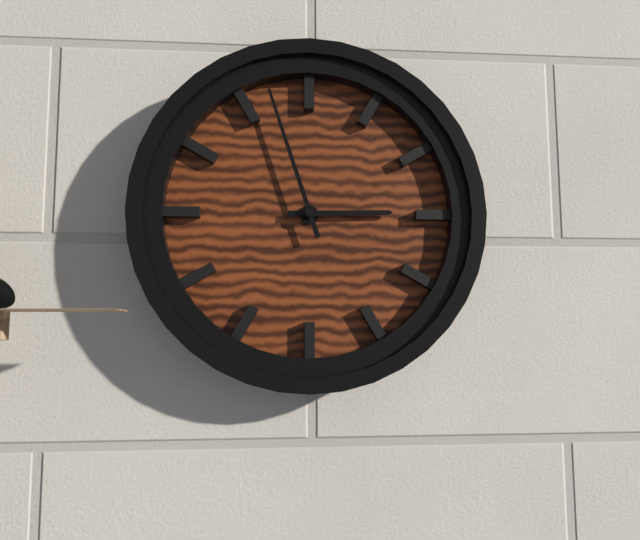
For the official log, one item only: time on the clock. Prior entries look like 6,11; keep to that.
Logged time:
2,57
